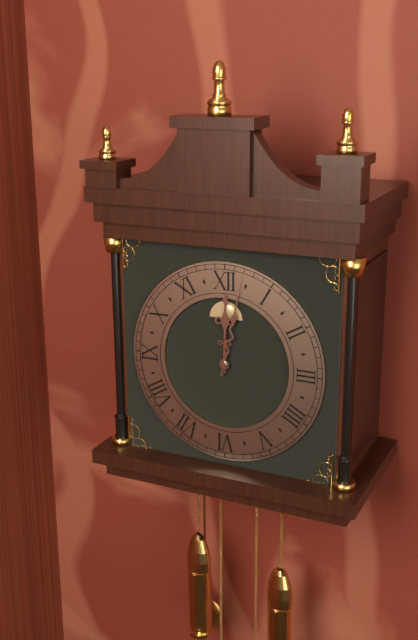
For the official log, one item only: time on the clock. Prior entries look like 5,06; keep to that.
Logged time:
12,02
